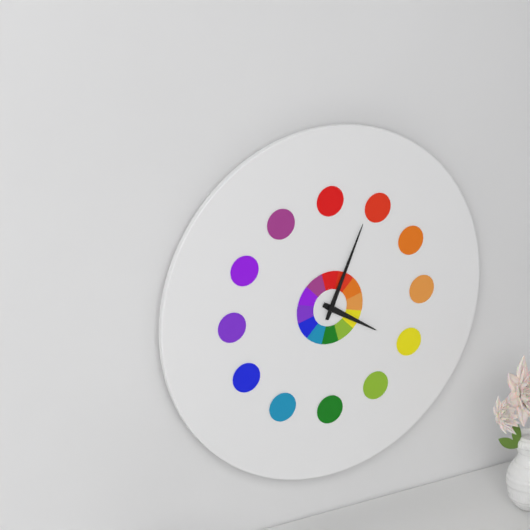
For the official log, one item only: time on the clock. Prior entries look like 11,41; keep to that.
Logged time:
4,04
